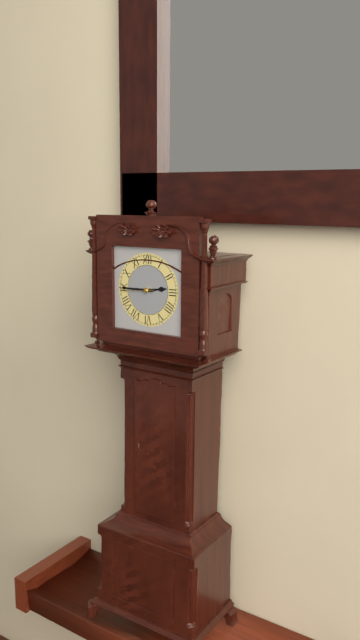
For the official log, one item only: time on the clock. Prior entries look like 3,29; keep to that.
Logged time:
2,45
